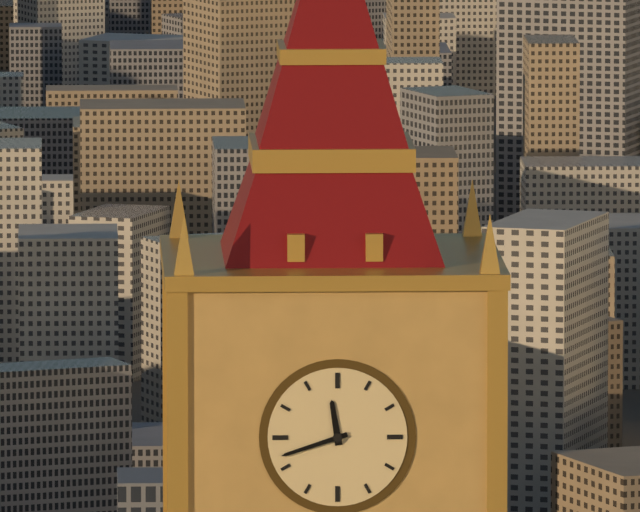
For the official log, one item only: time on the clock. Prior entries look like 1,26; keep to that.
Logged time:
11,42
